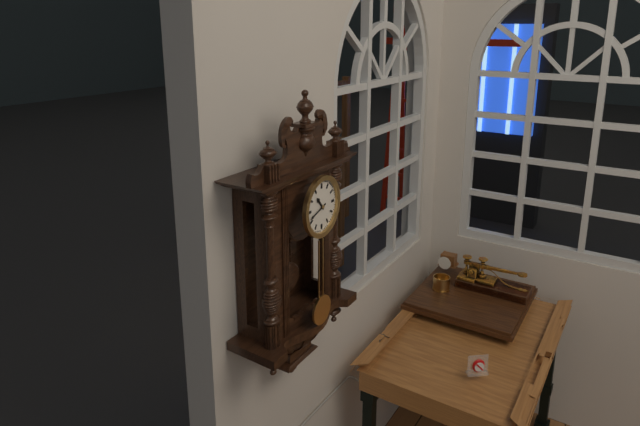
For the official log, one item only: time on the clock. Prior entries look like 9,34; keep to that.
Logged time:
10,42
